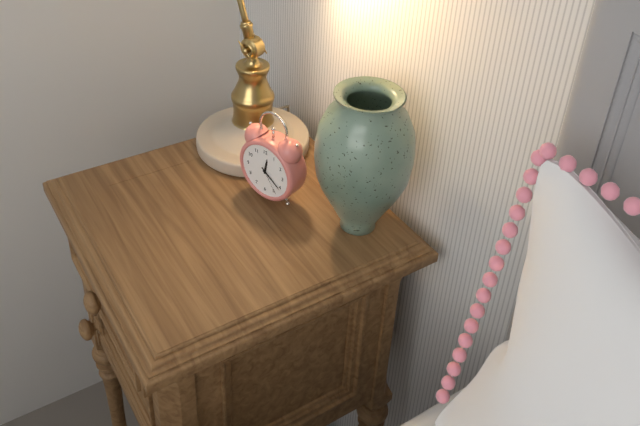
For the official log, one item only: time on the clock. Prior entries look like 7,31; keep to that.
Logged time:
12,21
